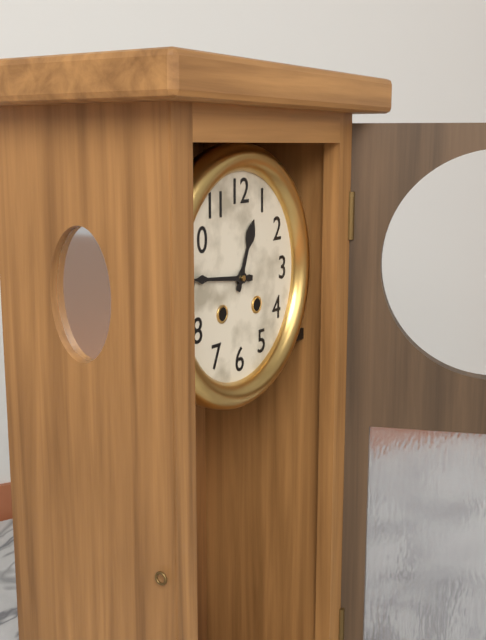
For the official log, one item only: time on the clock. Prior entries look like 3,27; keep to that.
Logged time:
12,46
